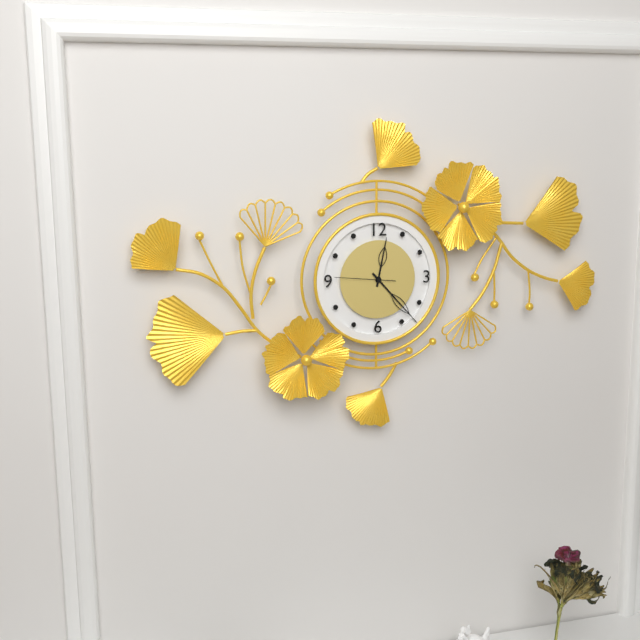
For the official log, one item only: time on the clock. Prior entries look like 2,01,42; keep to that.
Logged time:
12,23,46
